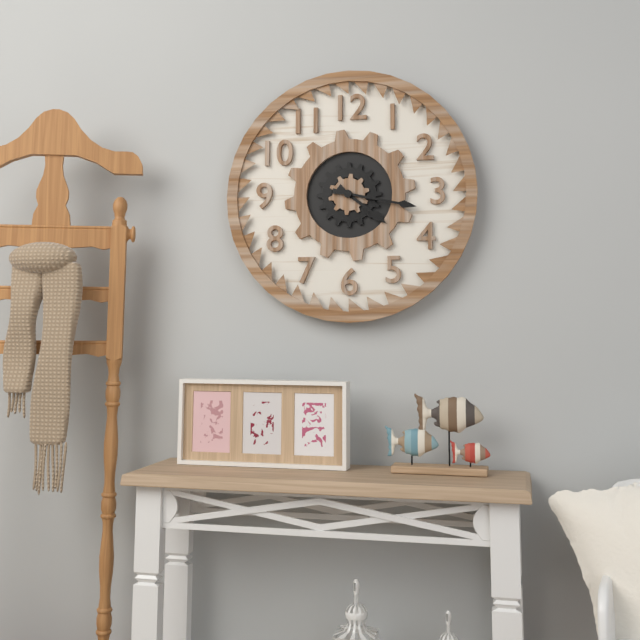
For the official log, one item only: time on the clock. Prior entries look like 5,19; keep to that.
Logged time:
4,17
